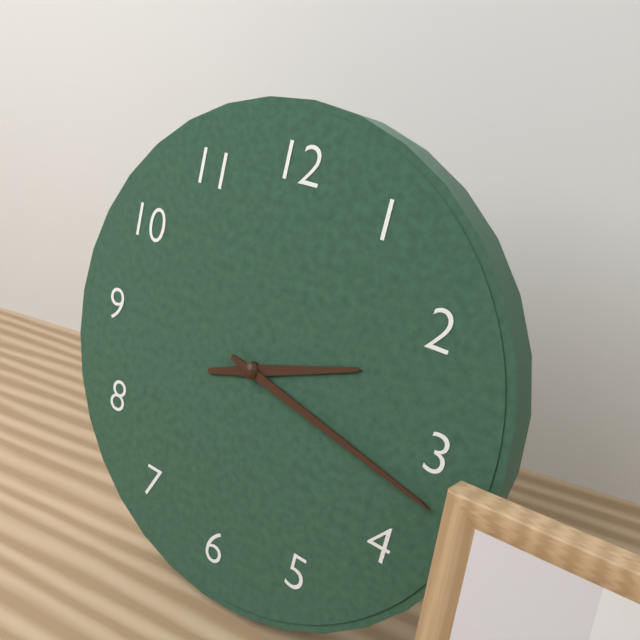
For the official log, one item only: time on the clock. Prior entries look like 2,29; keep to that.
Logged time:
2,17
